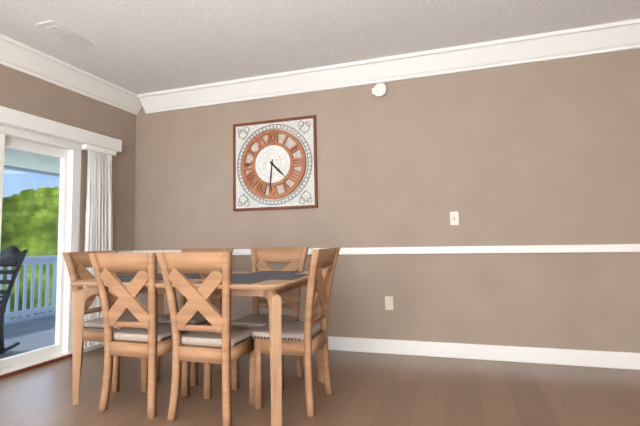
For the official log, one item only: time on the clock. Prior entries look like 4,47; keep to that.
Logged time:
4,31
